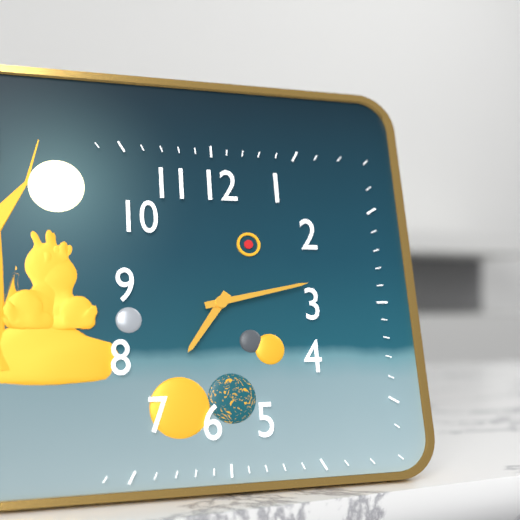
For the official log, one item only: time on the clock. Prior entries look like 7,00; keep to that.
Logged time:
7,13
